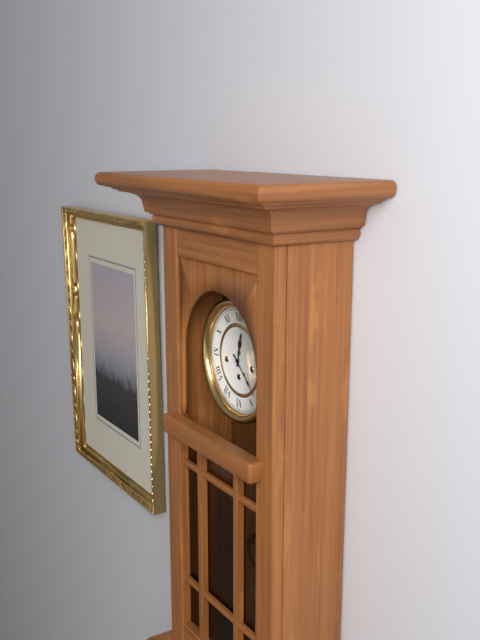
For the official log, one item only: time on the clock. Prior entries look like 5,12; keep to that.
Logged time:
12,22
